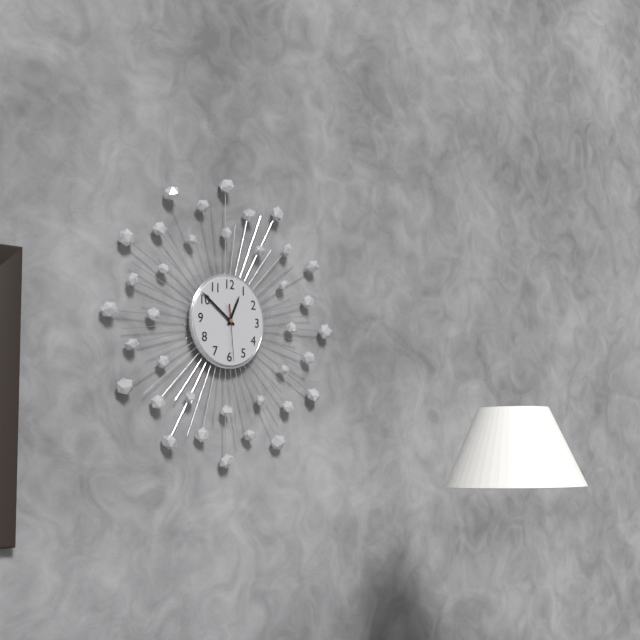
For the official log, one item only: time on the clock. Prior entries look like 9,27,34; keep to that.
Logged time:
12,51,29
